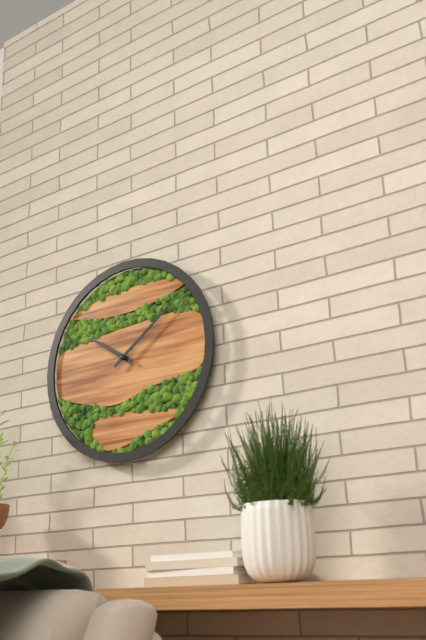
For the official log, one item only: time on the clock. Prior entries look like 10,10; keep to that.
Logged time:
10,09
